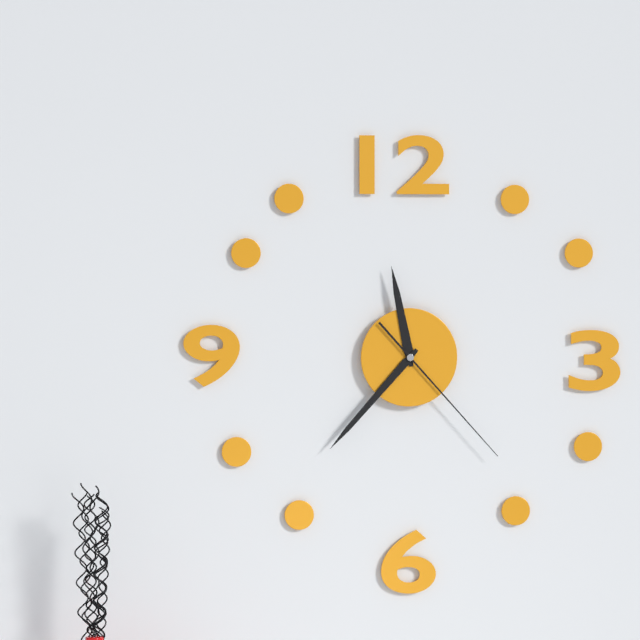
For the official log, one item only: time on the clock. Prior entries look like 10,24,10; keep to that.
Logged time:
11,37,23
